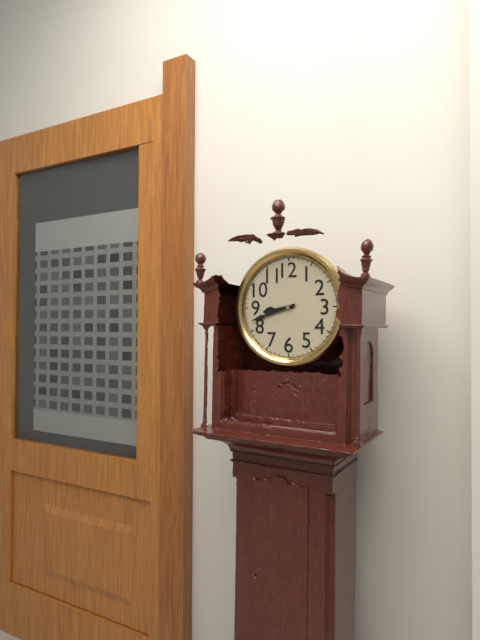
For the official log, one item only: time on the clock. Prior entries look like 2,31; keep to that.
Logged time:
8,42
